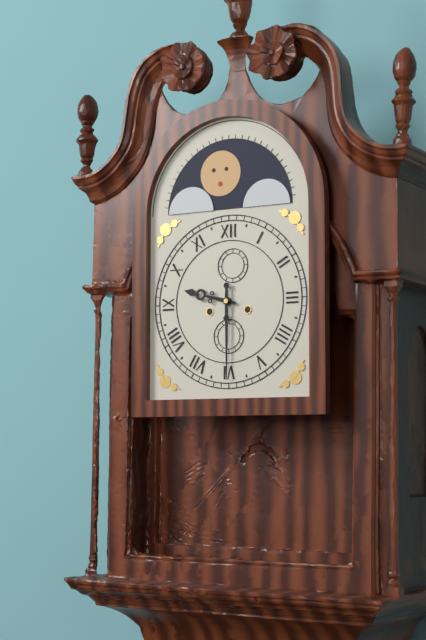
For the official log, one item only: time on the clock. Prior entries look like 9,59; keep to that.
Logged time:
9,30
